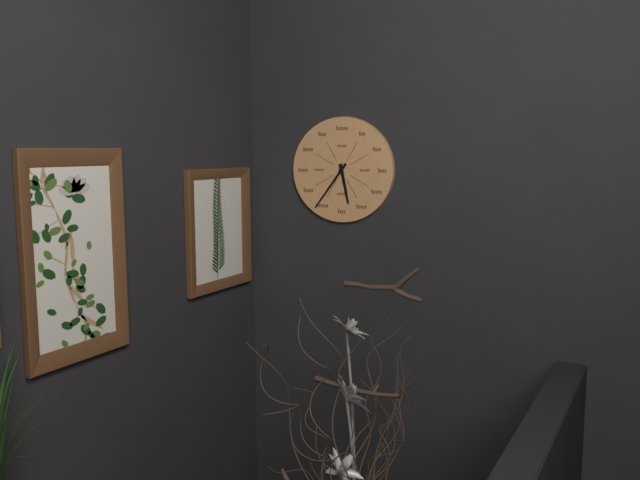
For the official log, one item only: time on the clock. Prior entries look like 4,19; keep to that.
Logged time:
5,36
